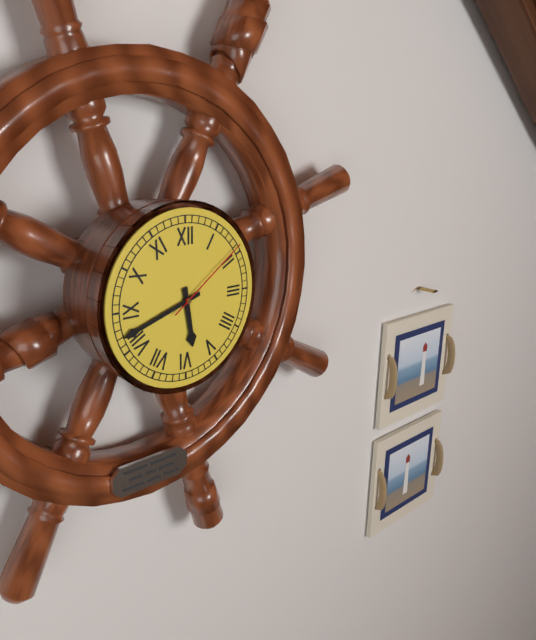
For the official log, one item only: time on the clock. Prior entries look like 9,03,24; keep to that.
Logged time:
5,42,09
